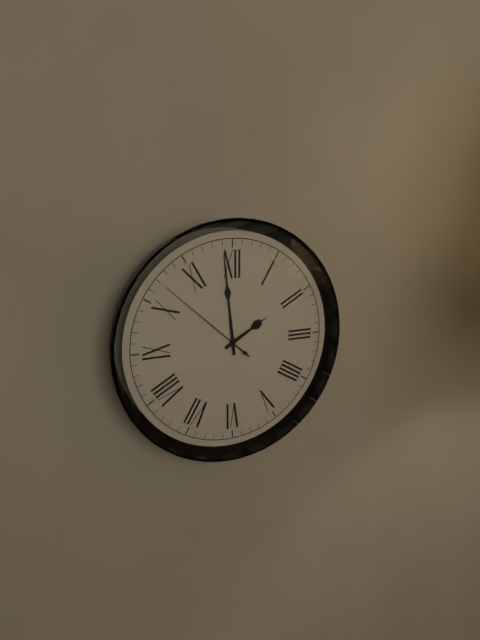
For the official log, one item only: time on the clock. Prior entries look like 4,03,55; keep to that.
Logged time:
1,59,52
